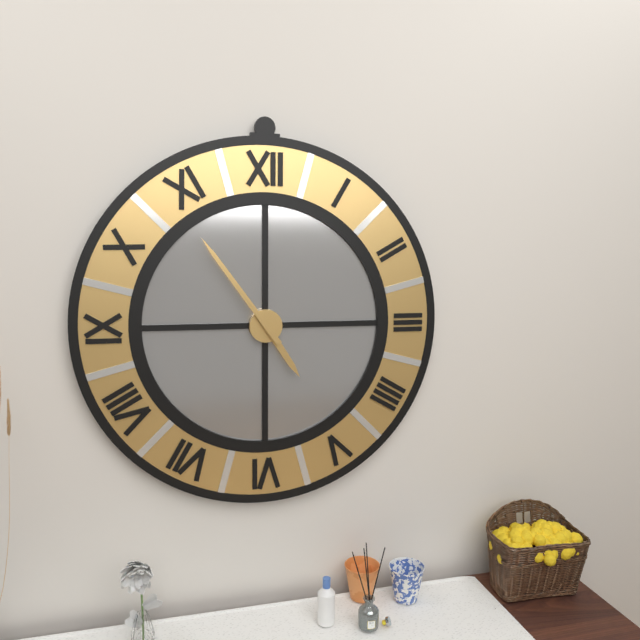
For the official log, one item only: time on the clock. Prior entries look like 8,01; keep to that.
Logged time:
4,54
